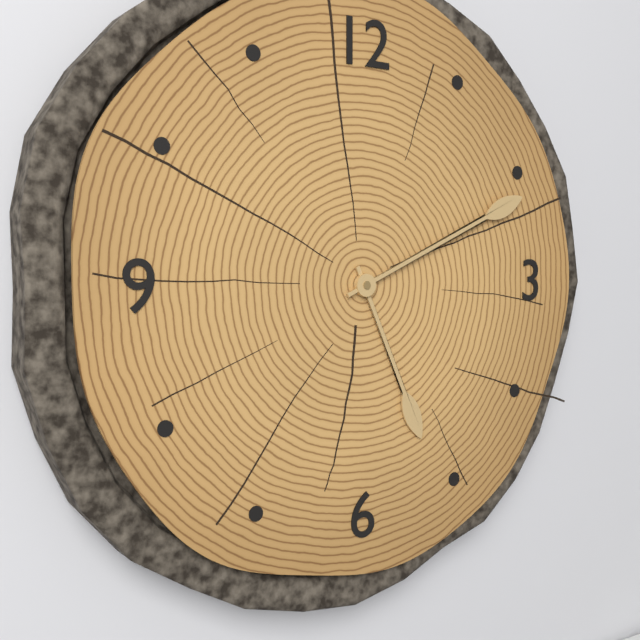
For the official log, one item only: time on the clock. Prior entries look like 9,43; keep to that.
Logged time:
5,11
